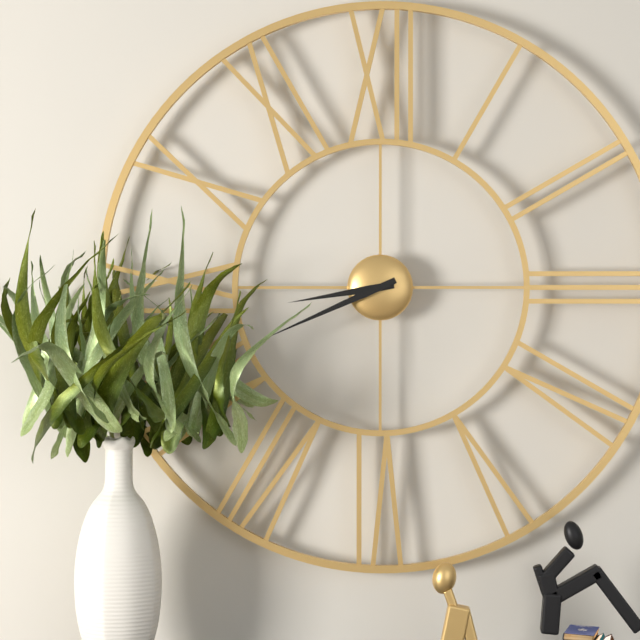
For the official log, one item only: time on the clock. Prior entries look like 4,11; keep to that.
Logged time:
8,41
